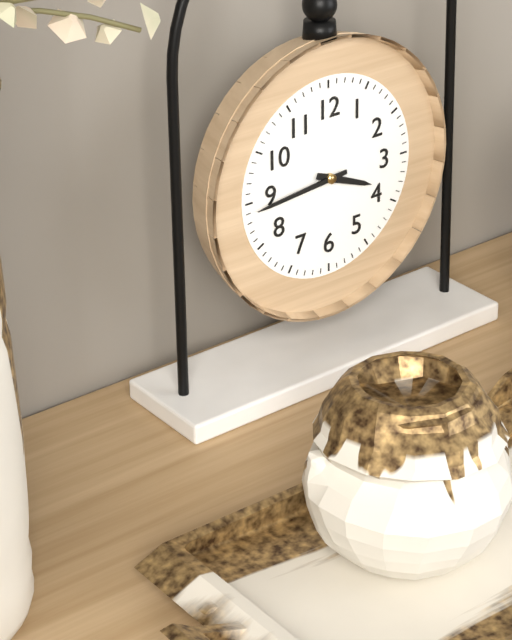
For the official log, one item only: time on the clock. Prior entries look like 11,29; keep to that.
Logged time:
3,44
